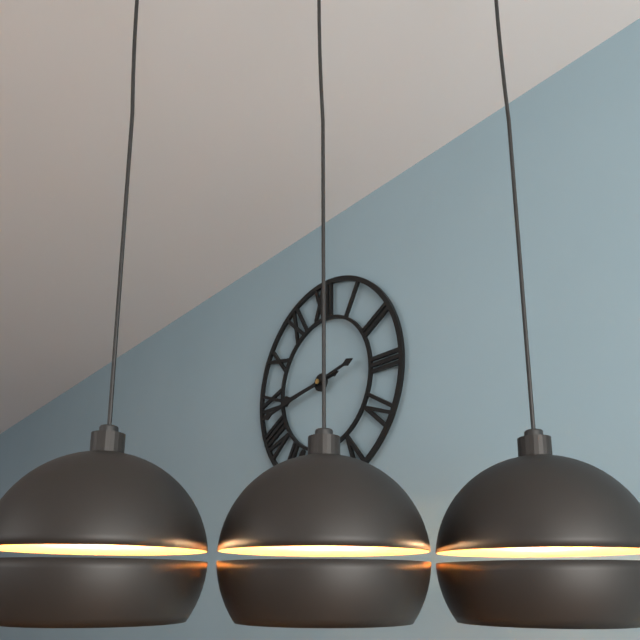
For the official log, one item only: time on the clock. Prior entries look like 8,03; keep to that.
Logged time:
8,43
